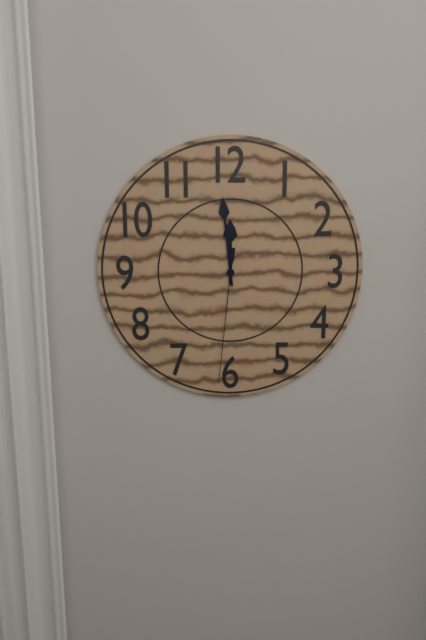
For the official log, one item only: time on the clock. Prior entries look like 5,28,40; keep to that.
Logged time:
11,59,31
